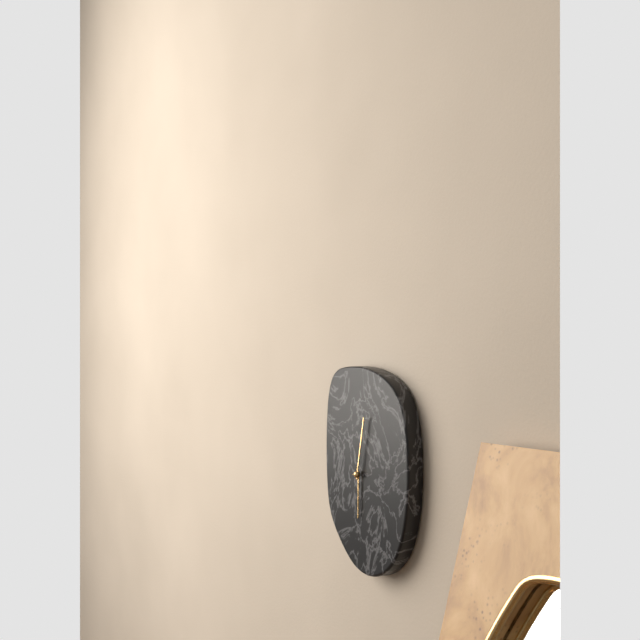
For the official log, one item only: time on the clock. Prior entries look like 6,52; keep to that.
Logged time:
6,02
